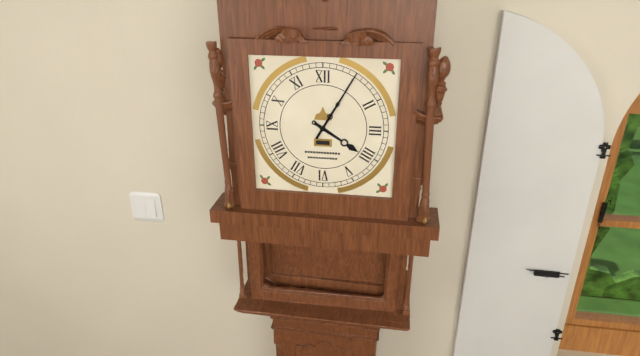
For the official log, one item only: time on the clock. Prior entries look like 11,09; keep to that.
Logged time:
4,05
